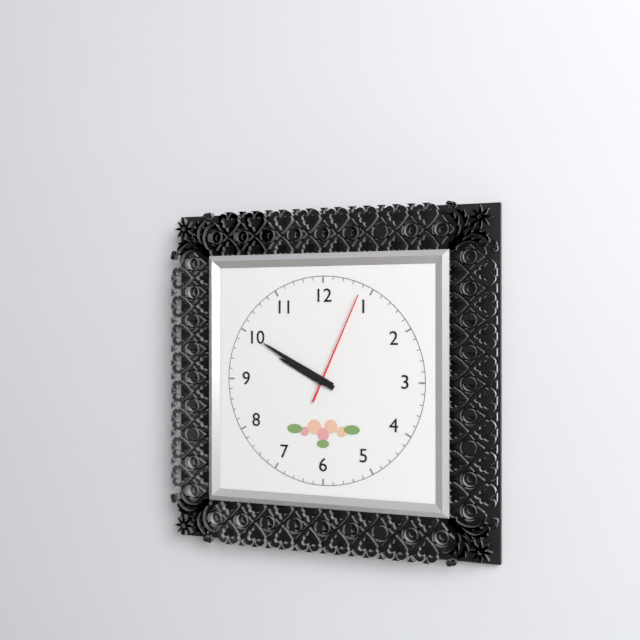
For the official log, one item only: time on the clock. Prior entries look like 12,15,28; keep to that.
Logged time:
9,50,04
